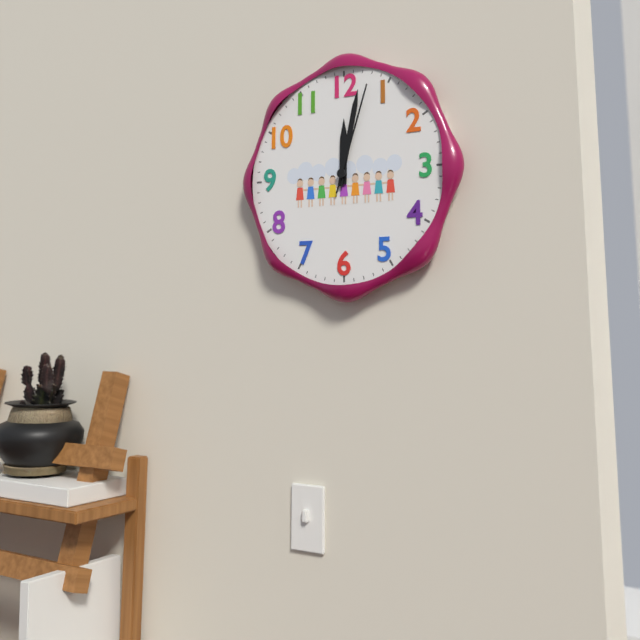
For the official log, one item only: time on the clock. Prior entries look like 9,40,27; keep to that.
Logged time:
12,02,03
